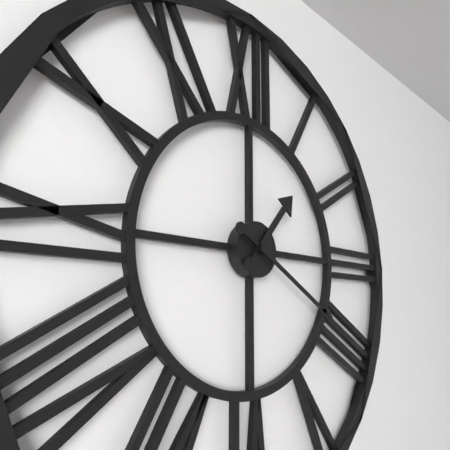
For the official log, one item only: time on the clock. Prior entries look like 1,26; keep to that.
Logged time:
1,20
